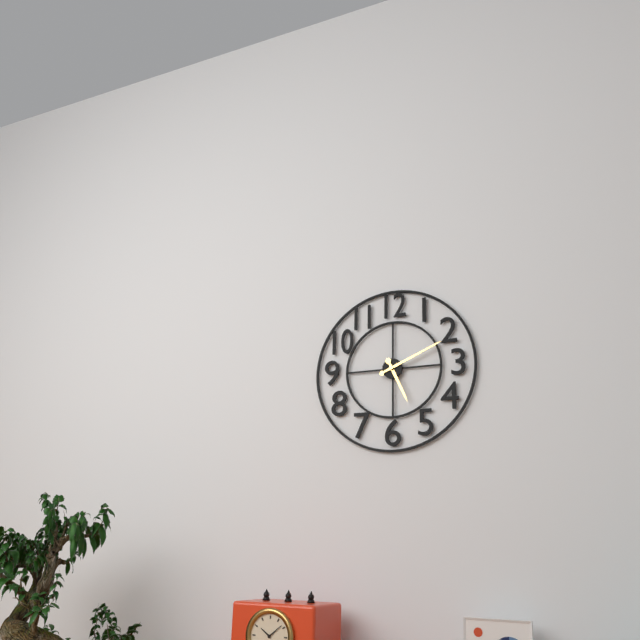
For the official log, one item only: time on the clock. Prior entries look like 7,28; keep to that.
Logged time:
5,11
